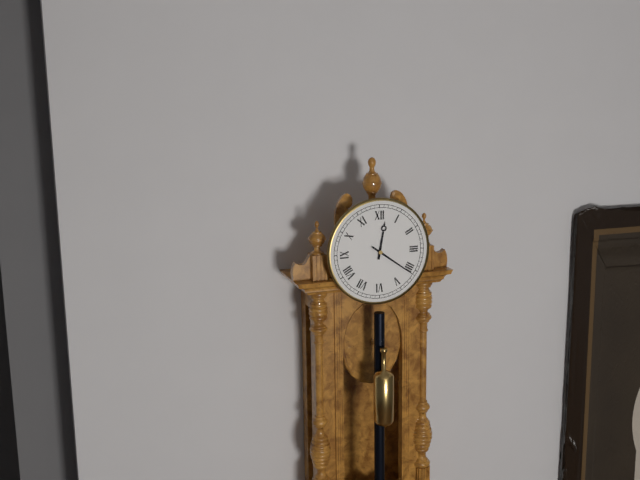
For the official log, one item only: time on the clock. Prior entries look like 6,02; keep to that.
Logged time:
12,21
